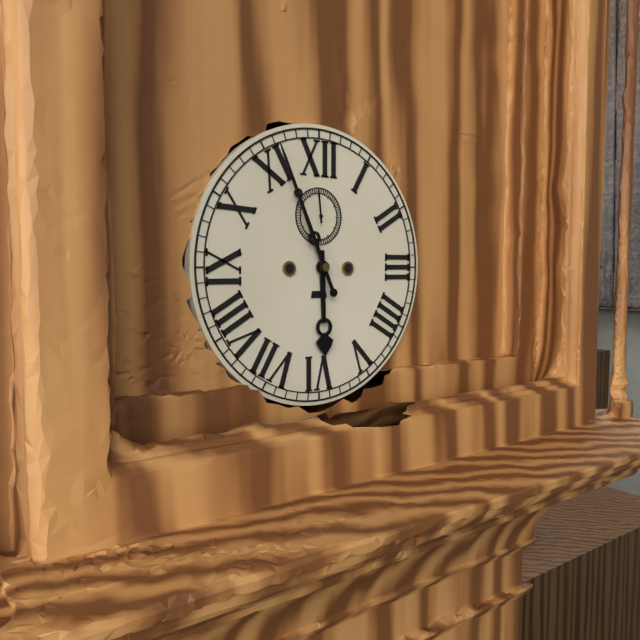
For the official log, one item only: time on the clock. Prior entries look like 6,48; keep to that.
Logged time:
5,56
